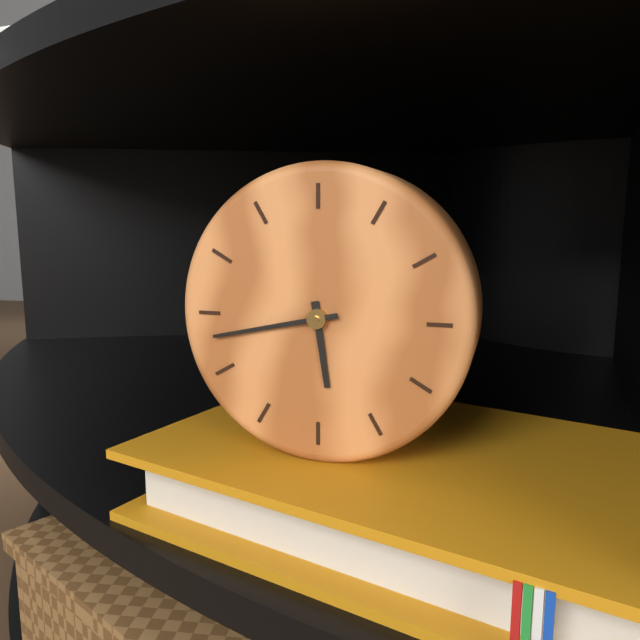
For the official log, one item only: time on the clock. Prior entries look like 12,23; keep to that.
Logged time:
5,43
